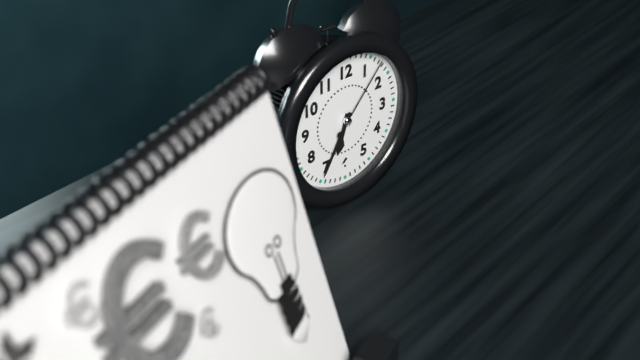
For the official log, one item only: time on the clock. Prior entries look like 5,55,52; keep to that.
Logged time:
6,35,07
